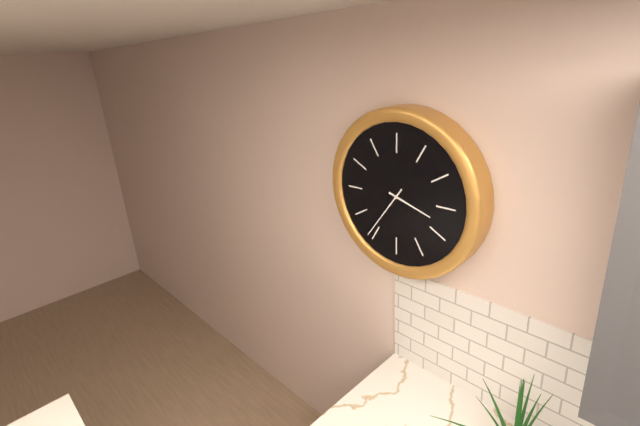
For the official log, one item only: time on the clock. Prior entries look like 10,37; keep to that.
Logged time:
3,36
